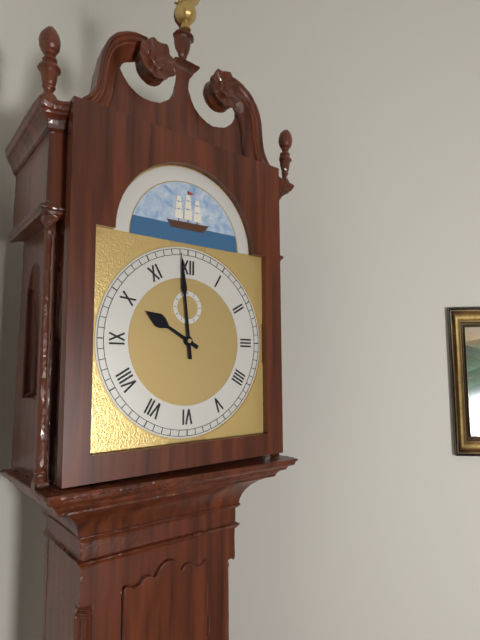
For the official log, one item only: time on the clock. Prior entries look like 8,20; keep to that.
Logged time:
9,59
